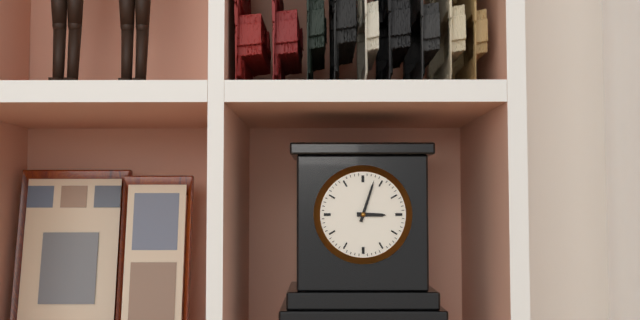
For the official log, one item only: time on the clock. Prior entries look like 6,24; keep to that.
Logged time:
3,03
